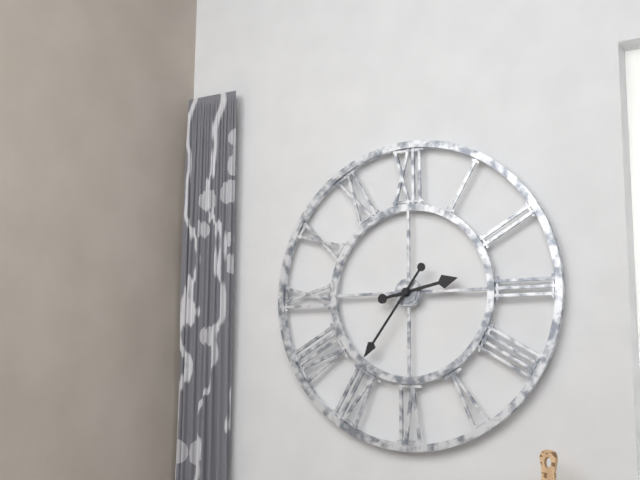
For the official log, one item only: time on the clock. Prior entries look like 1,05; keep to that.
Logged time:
2,36
